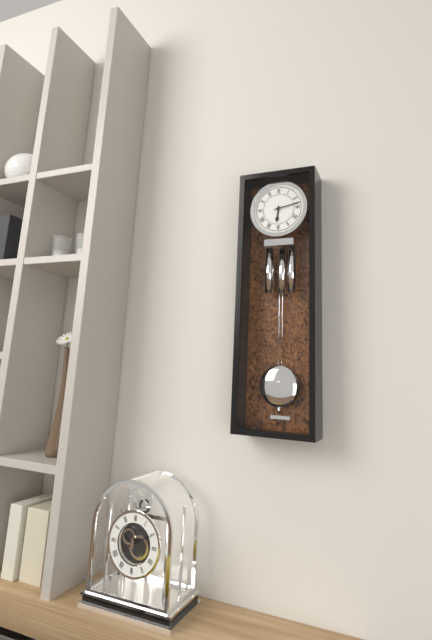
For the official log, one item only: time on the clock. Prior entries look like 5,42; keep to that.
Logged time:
6,13
